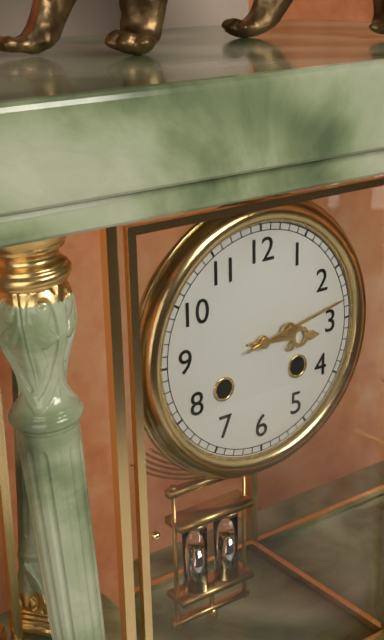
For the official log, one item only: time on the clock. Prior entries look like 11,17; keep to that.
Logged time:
3,13
